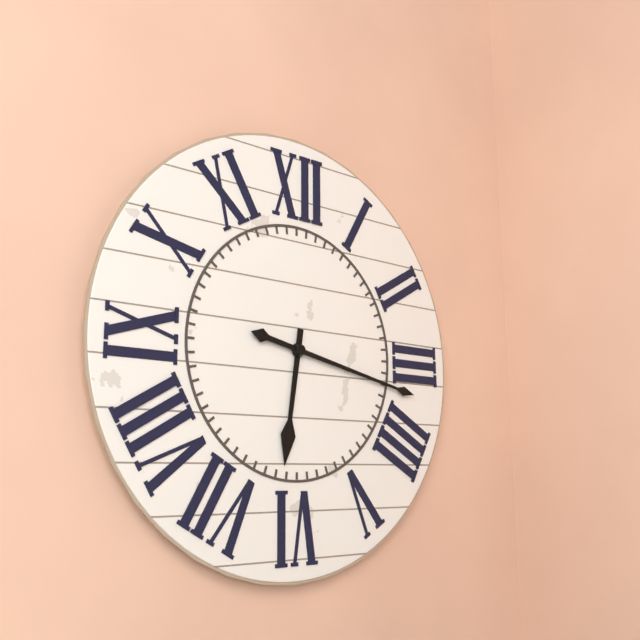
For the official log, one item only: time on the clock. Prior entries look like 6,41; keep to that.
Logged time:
6,17
